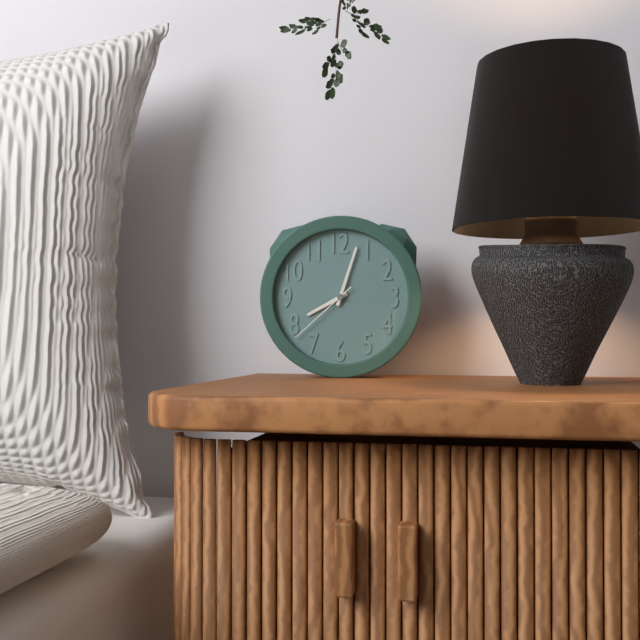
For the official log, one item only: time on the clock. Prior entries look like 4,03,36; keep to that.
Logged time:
8,03,38
